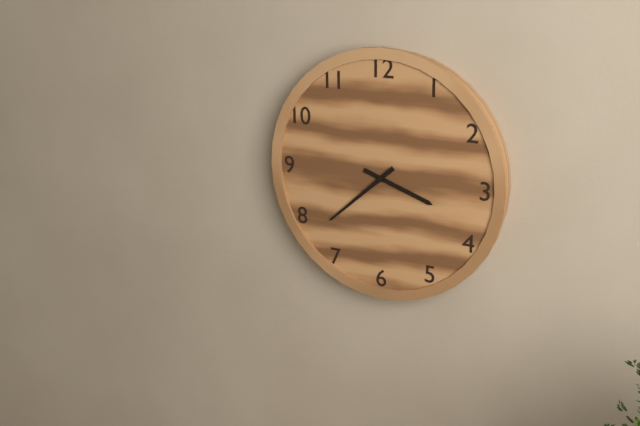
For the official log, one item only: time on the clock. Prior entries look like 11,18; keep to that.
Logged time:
3,38
